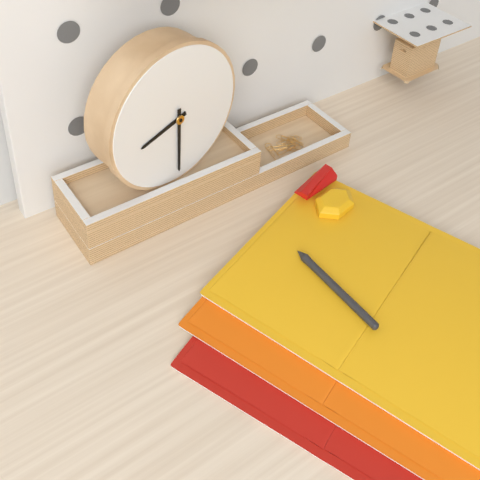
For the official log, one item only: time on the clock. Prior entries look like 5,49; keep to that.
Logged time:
8,30
